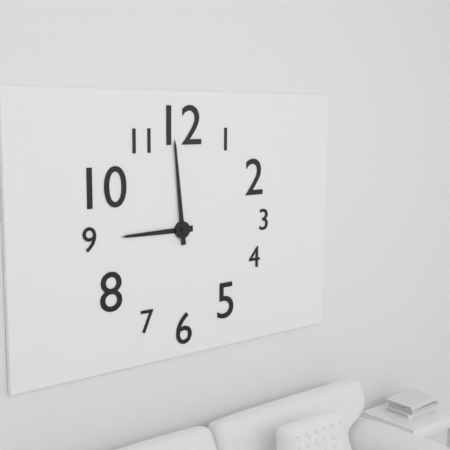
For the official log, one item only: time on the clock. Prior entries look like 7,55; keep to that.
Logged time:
8,59
